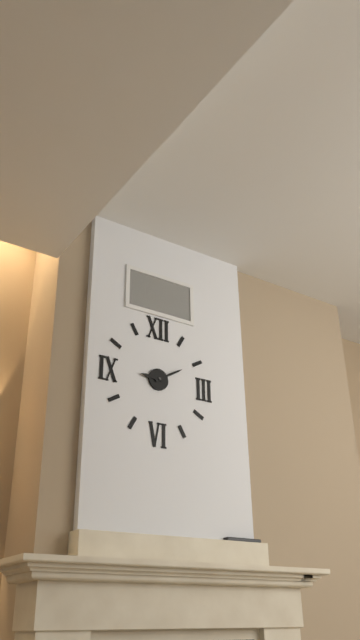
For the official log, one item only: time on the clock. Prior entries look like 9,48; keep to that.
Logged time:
9,10
